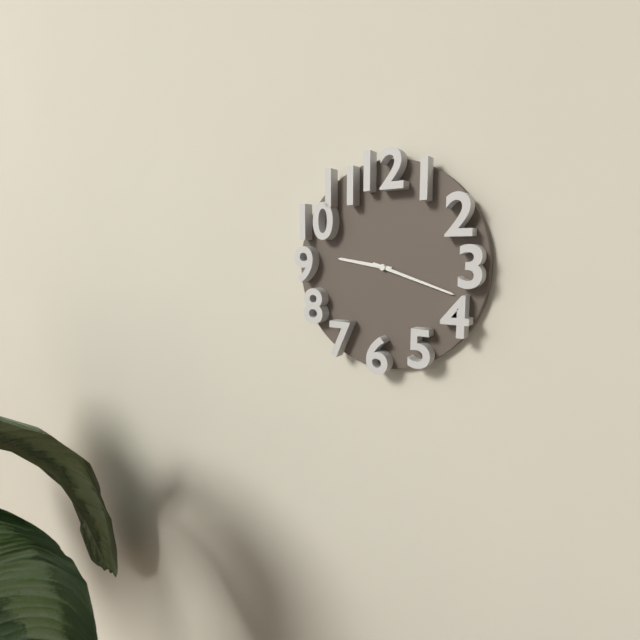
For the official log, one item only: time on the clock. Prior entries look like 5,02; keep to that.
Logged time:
9,18
